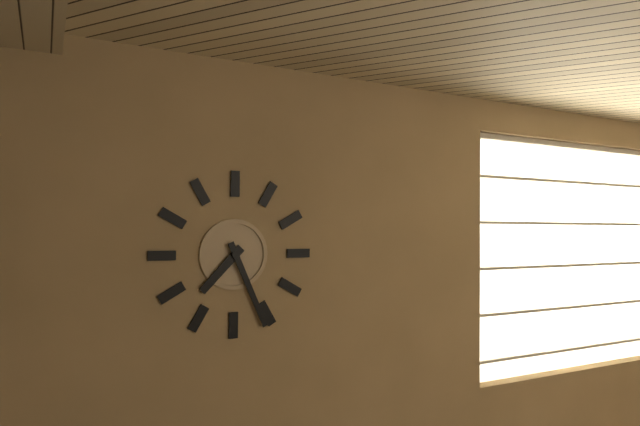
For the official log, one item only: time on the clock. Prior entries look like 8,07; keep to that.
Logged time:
7,26
